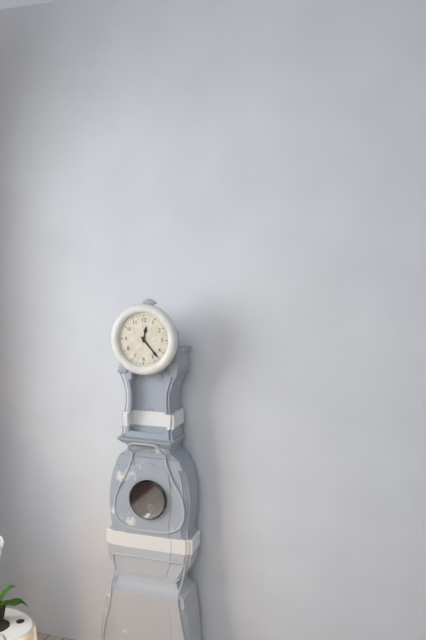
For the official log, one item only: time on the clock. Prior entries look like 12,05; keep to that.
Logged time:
12,23
